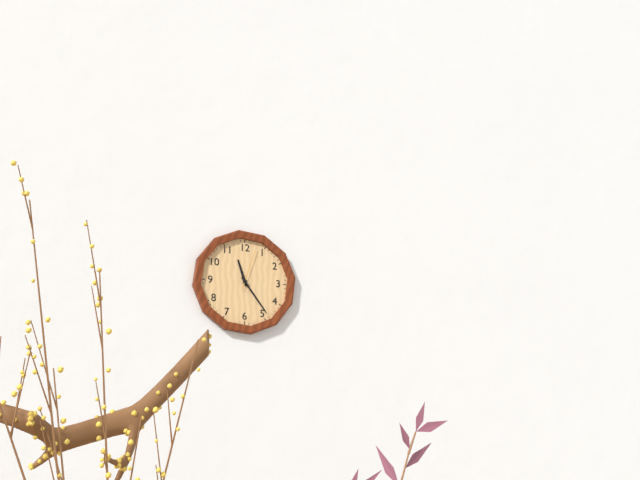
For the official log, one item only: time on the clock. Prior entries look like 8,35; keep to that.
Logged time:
11,24
